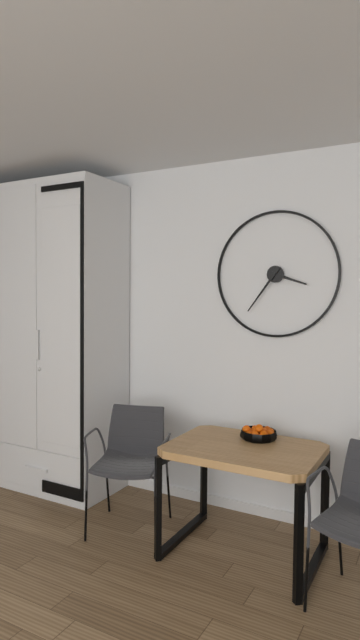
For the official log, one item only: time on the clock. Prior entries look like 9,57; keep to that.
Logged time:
3,36
